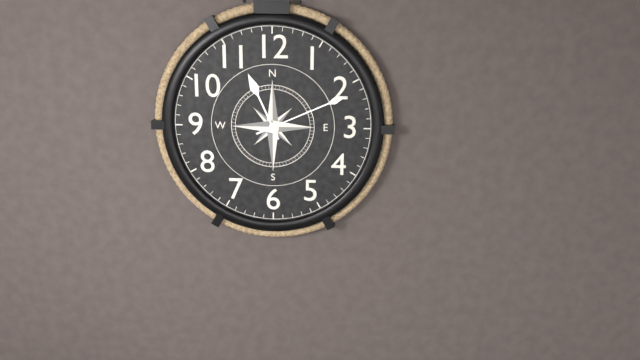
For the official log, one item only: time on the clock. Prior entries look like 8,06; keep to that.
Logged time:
11,11
